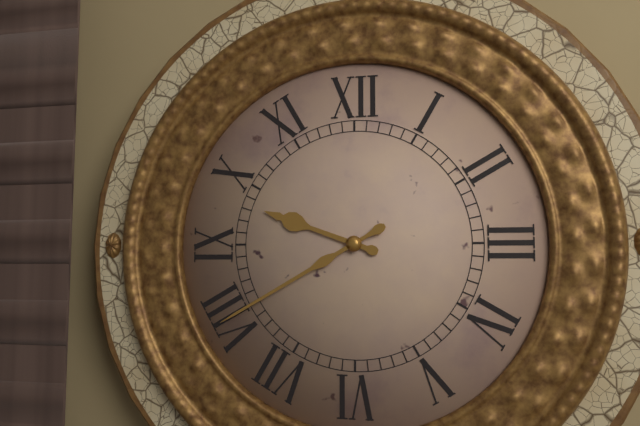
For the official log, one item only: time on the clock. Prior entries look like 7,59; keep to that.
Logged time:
9,40
